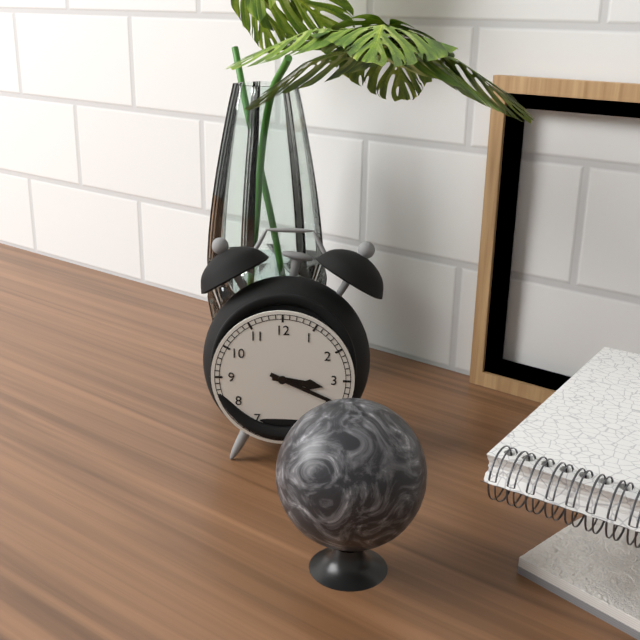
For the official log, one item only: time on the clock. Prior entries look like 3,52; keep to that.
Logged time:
3,19
